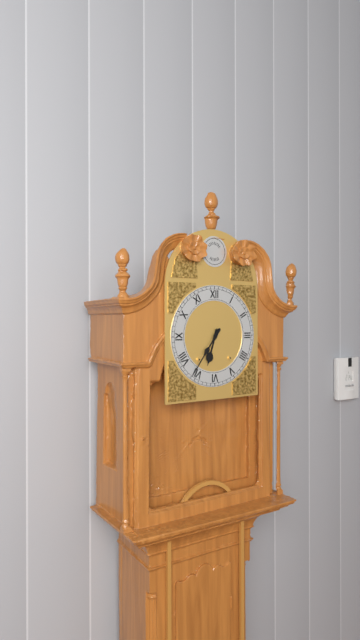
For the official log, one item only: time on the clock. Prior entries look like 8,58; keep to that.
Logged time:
6,36
